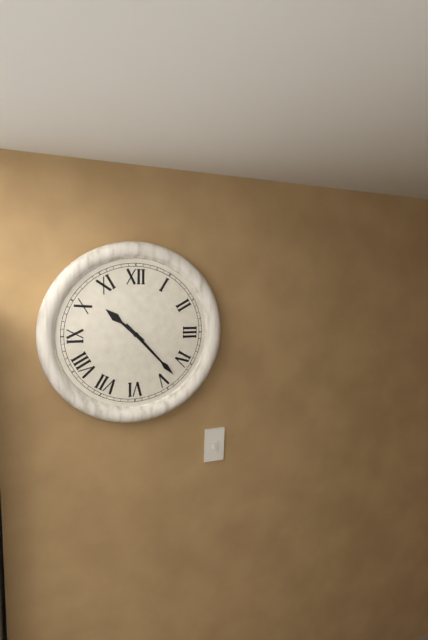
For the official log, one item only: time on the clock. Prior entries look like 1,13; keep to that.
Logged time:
10,23
